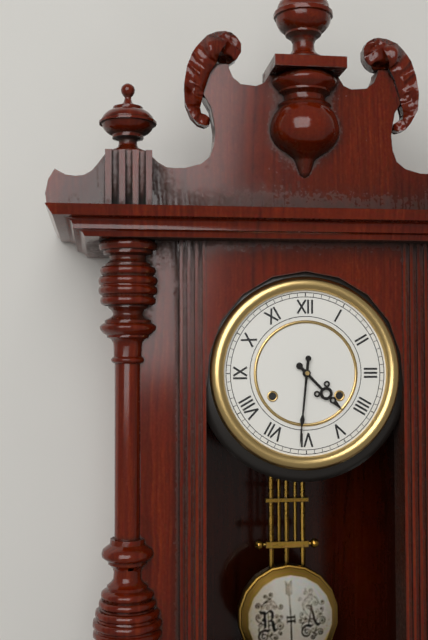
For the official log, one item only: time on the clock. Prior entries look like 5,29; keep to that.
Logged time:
4,31
